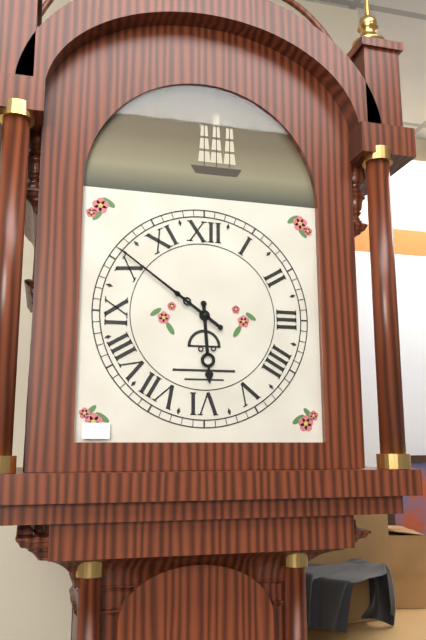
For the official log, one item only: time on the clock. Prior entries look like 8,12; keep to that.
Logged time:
5,51
